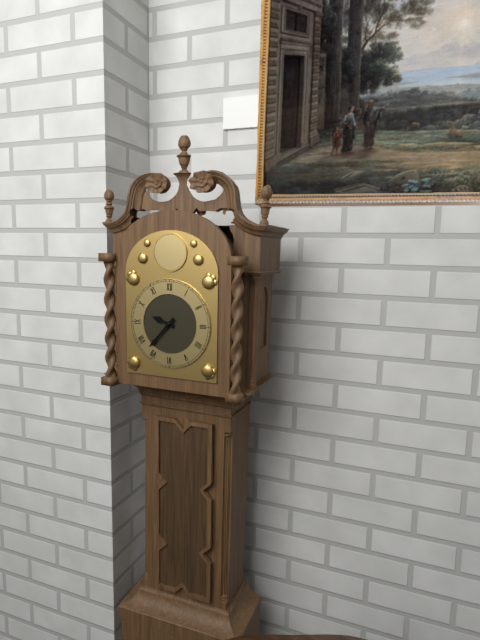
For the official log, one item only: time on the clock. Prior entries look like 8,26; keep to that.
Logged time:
9,37
